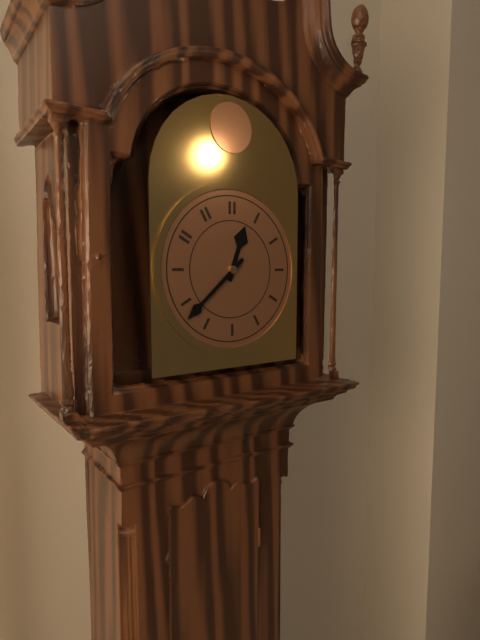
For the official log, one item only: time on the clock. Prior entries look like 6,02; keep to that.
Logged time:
12,38
